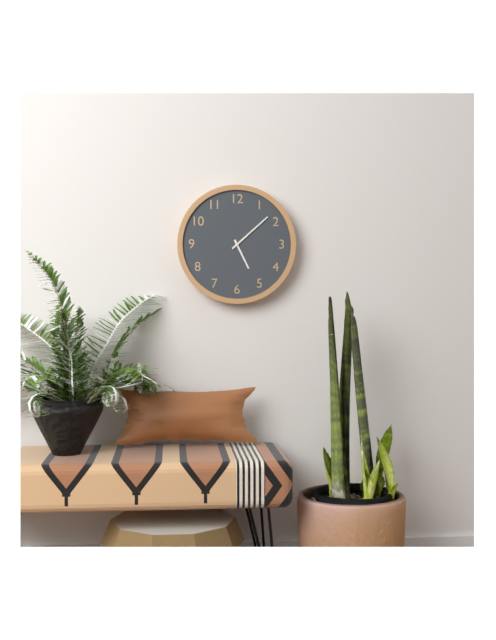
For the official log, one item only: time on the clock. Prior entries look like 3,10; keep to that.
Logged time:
5,08
